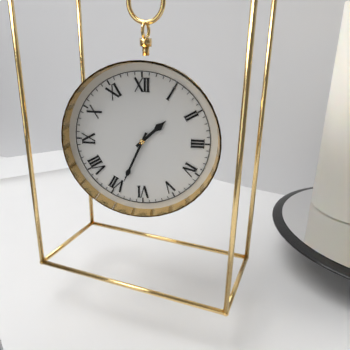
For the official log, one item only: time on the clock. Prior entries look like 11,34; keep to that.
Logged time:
1,34
